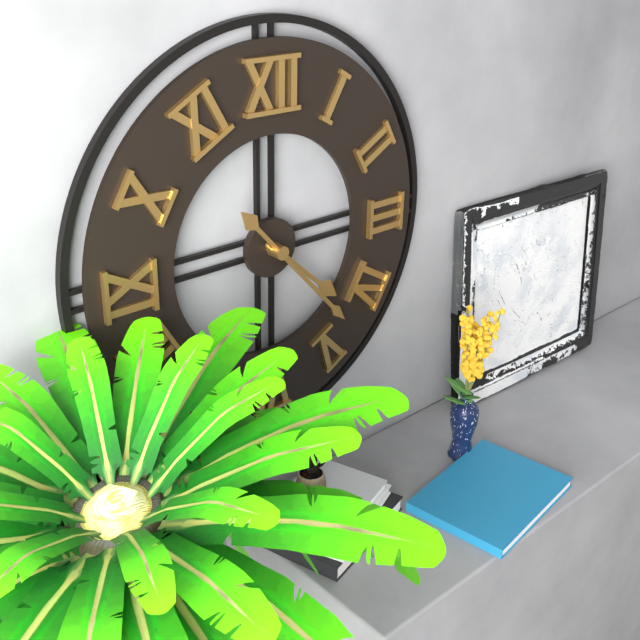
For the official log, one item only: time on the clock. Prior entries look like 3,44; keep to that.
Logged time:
4,23
